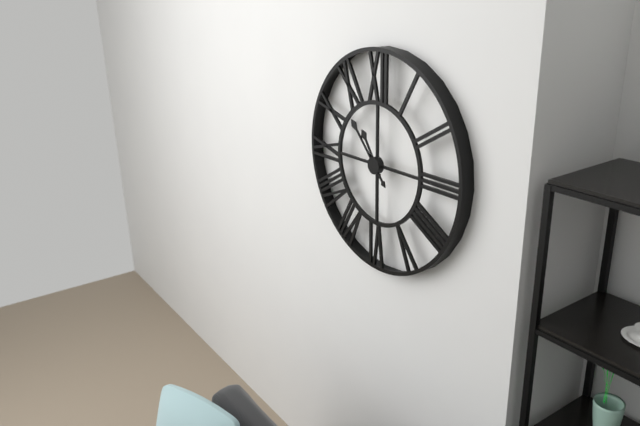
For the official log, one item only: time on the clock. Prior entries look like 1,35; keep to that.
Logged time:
10,53
